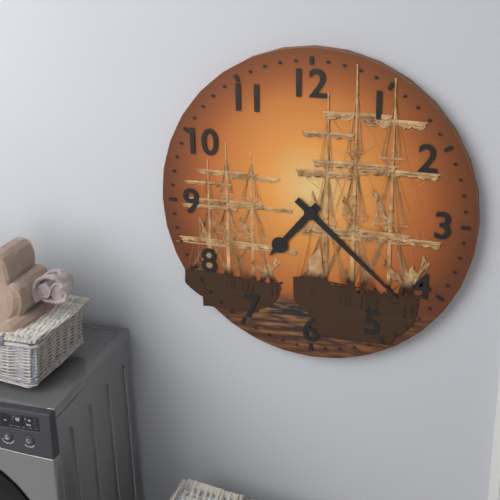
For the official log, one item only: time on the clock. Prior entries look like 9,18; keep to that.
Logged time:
7,22
